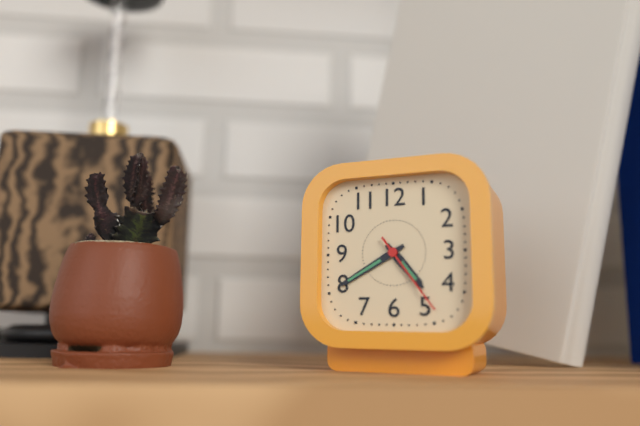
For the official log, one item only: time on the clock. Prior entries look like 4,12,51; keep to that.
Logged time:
4,40,24
